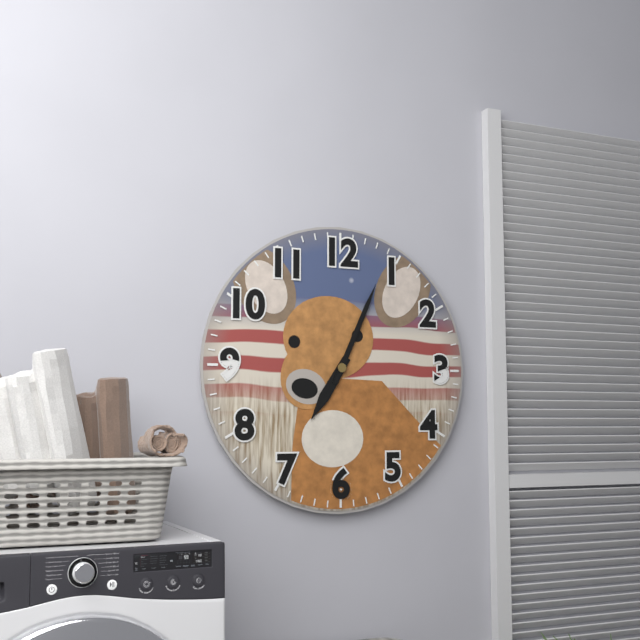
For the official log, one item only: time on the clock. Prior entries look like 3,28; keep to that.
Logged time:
7,04
